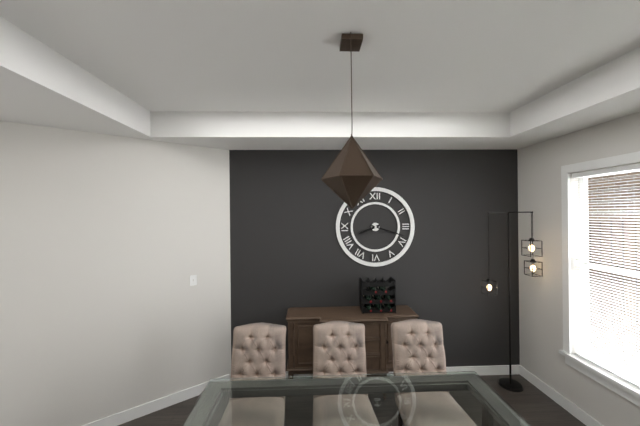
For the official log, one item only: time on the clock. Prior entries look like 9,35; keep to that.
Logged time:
8,18
